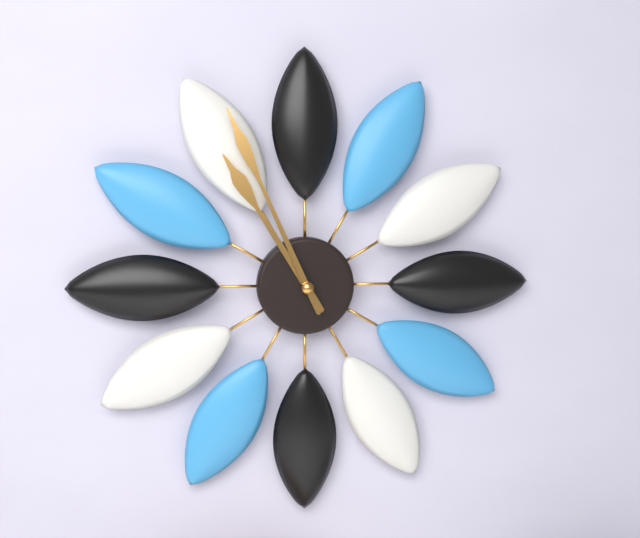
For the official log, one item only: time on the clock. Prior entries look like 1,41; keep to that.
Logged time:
10,56
